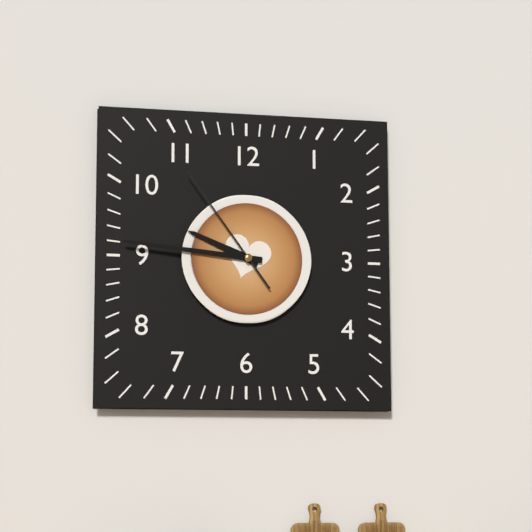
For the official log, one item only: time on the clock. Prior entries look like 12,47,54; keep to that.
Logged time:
9,46,54
